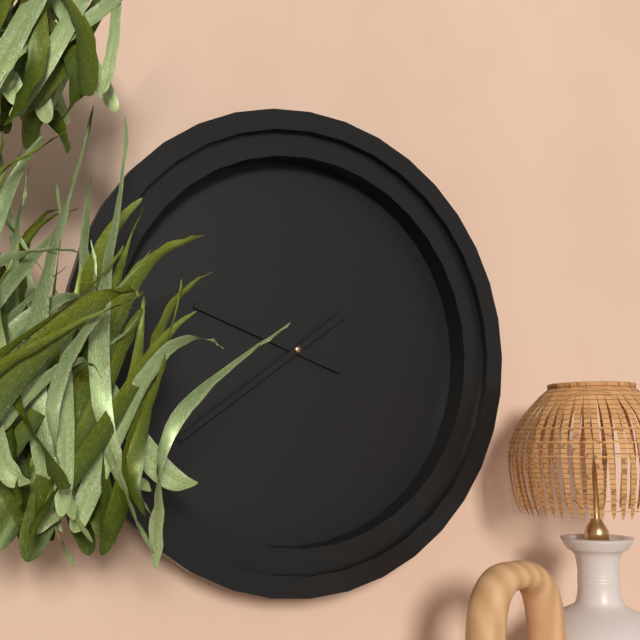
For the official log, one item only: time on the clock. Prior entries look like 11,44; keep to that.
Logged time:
9,39
